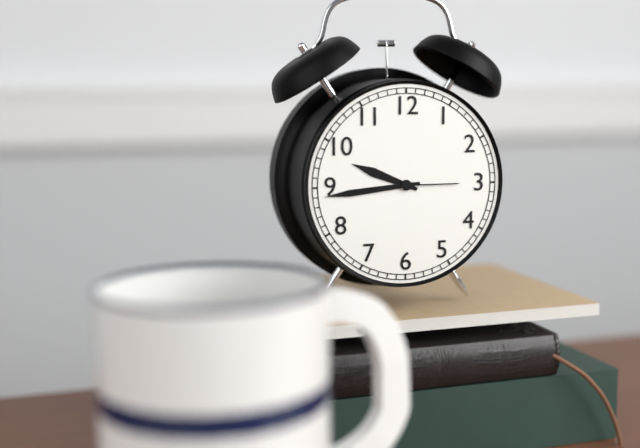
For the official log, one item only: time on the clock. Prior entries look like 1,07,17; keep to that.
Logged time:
9,44,15
